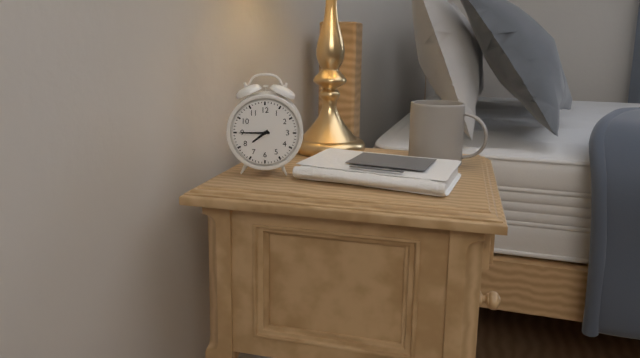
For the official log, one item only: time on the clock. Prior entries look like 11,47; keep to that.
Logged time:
7,45
